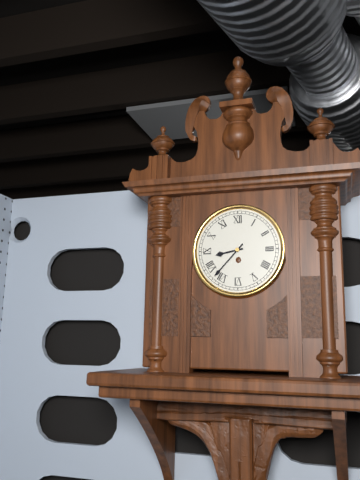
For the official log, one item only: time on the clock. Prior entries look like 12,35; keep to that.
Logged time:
8,37
